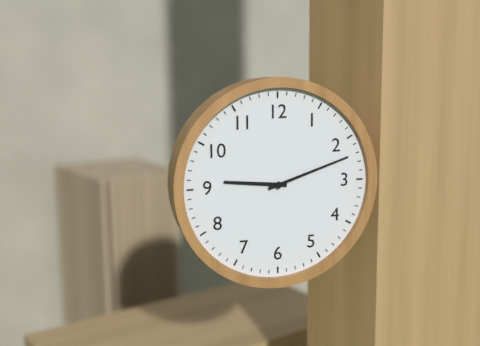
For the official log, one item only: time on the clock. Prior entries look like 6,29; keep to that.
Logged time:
9,12
